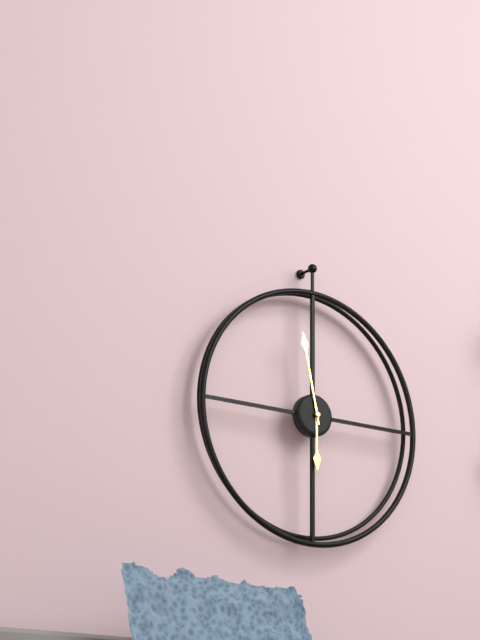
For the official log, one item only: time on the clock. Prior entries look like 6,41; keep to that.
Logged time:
5,58
